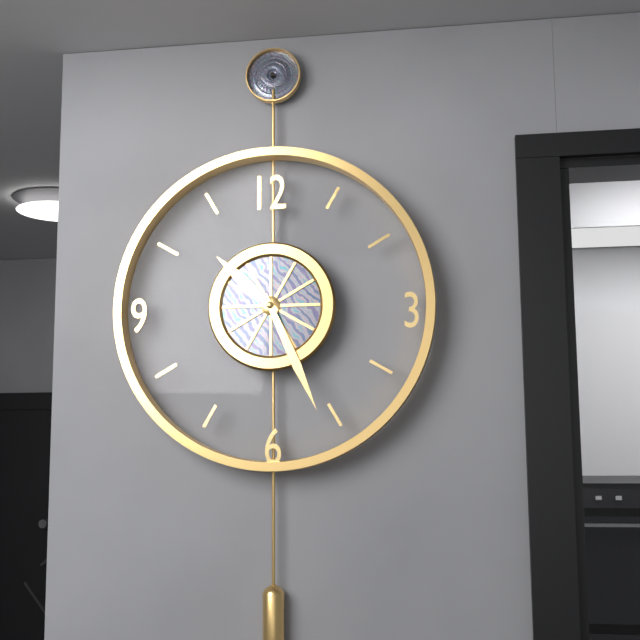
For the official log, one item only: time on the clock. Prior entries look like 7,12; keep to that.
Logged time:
10,26
